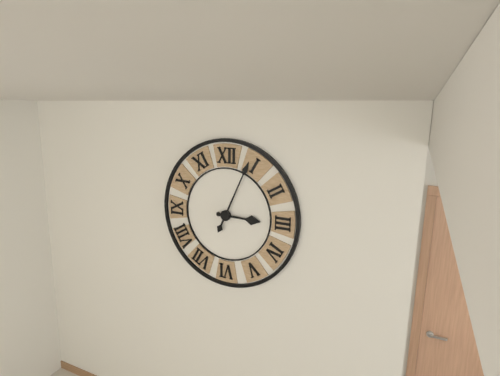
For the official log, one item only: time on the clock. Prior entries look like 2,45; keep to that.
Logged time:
3,04
